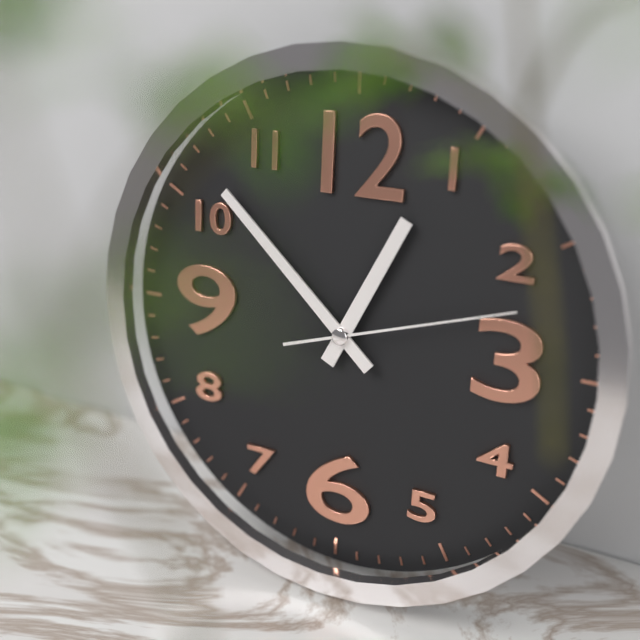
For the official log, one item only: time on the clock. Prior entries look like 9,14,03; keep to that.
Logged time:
12,52,12
